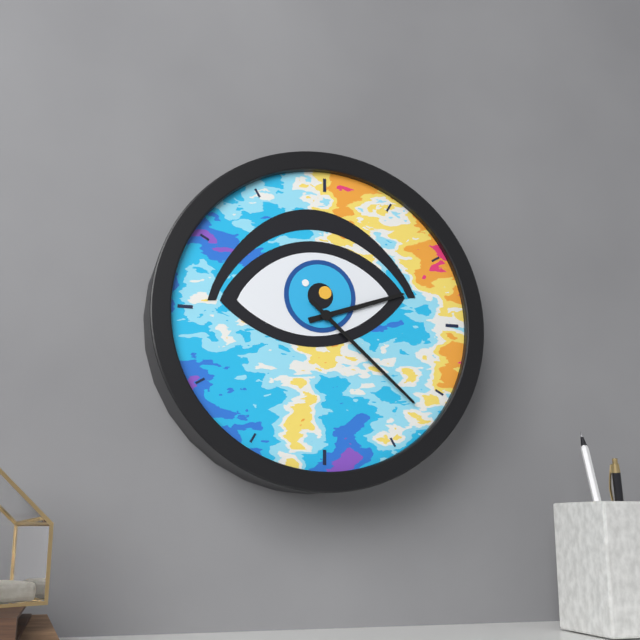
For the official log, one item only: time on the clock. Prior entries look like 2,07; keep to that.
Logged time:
2,22
